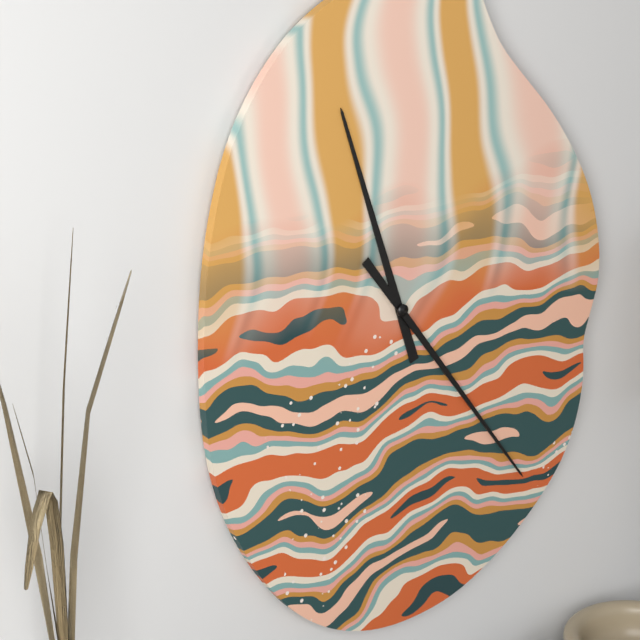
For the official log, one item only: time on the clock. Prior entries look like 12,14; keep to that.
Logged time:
11,24
